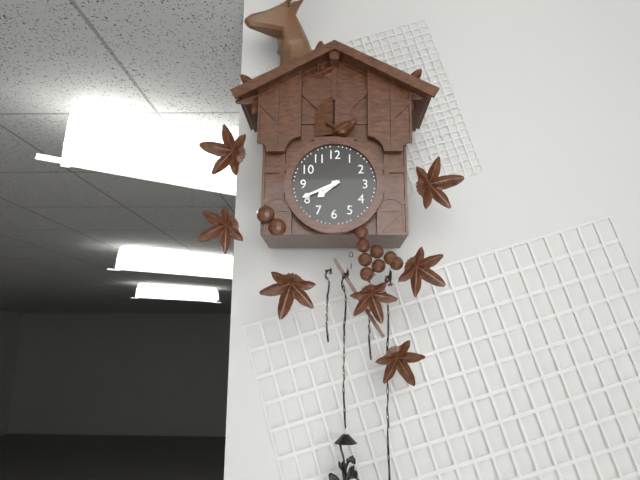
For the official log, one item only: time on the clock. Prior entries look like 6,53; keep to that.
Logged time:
7,41
